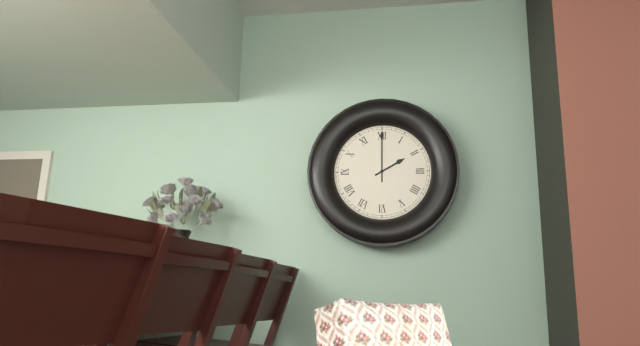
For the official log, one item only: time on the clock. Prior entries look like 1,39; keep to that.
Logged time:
2,00
